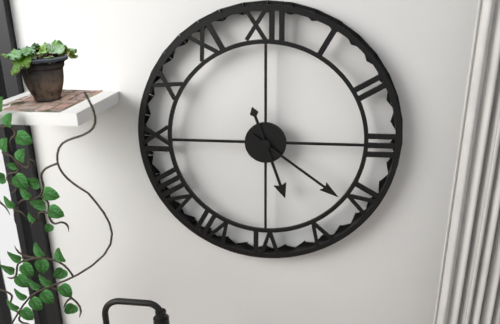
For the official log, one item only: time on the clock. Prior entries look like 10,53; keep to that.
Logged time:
5,21
